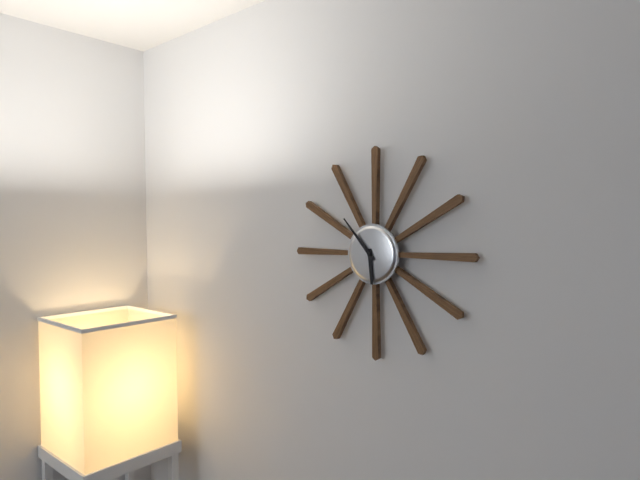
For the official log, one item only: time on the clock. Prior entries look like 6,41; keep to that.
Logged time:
5,53
